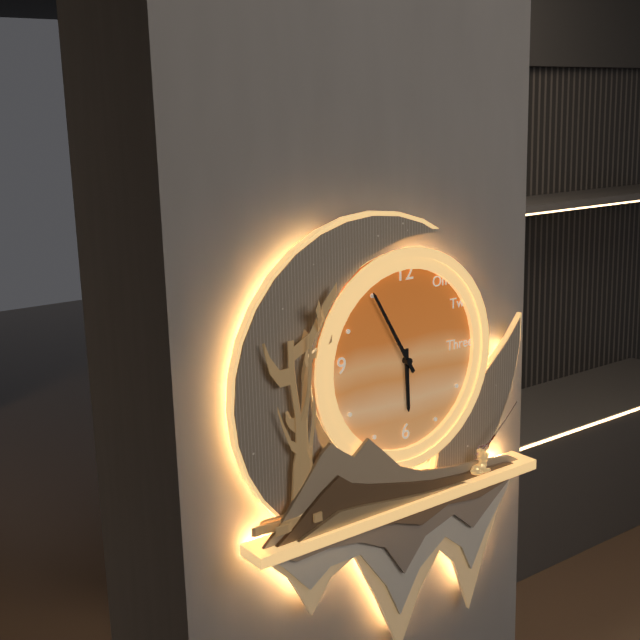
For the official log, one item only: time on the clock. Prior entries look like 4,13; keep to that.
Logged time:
5,55
